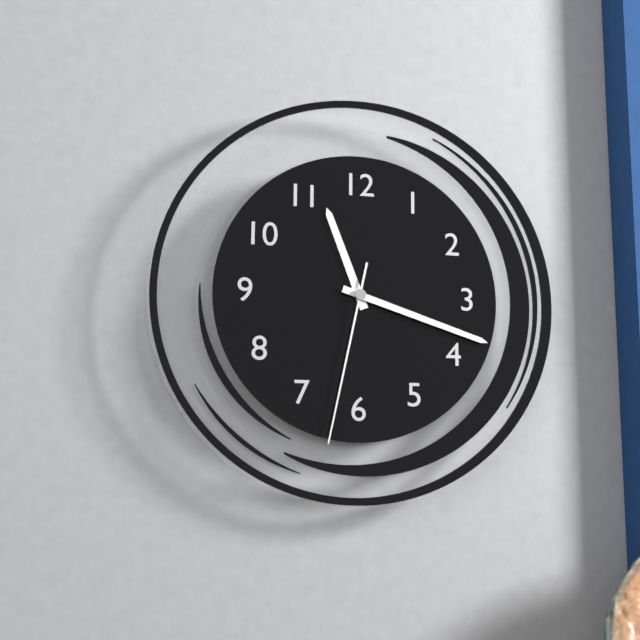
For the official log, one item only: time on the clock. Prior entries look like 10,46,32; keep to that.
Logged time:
11,18,32
